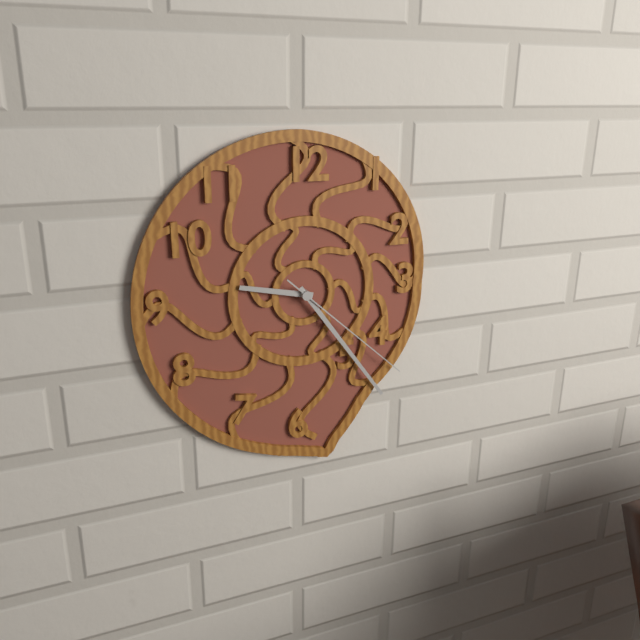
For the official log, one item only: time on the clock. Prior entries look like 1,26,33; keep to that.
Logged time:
9,24,22
